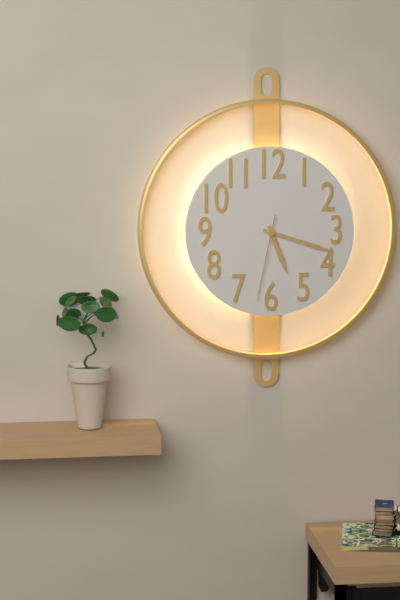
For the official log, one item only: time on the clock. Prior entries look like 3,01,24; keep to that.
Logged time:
5,18,32
